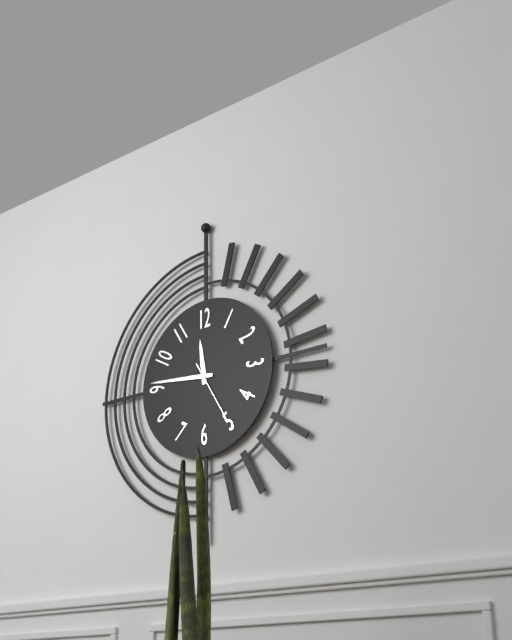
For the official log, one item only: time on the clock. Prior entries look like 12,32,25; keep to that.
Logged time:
11,46,25
